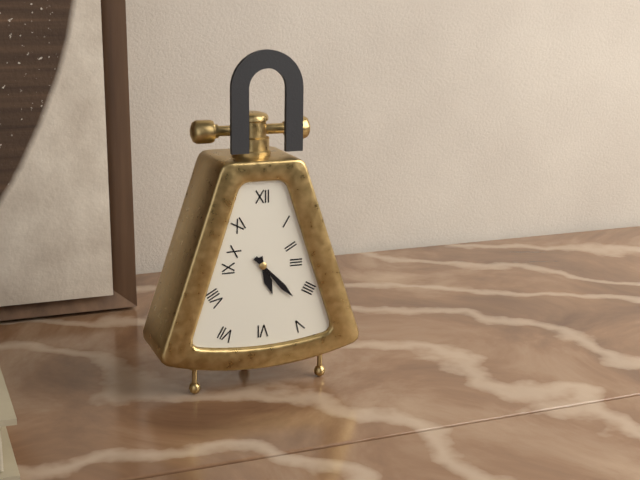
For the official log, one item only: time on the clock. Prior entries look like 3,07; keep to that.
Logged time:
5,23
